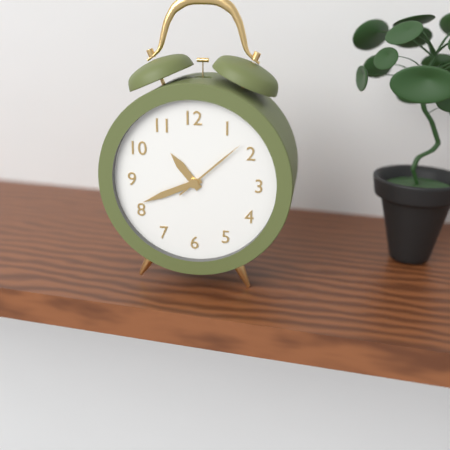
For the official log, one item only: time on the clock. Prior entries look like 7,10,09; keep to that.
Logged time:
10,41,08
